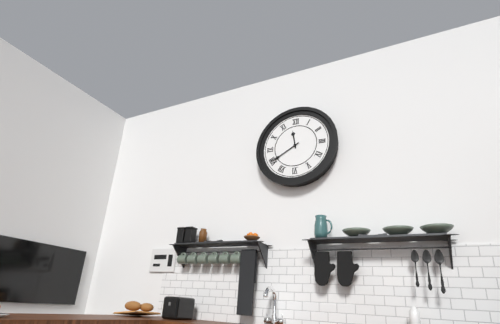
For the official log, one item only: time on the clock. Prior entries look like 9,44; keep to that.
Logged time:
11,40
